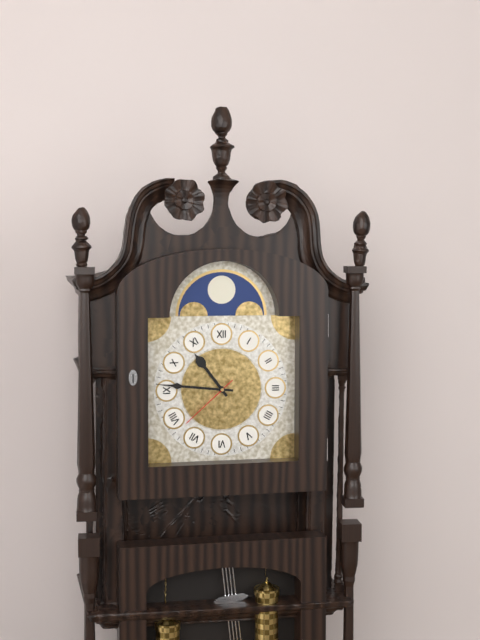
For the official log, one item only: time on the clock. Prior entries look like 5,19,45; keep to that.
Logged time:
10,46,38
